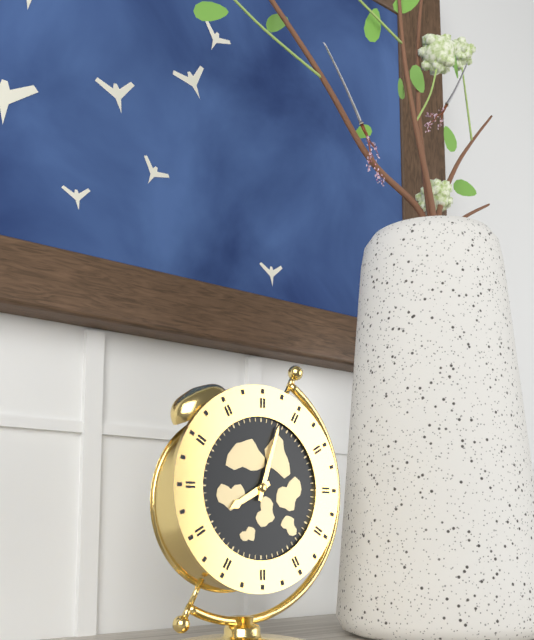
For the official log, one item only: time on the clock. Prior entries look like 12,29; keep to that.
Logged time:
8,03
